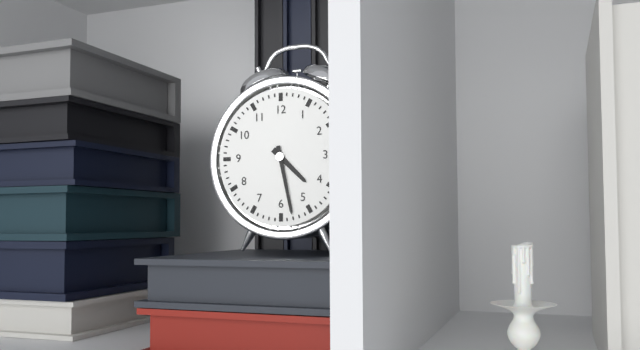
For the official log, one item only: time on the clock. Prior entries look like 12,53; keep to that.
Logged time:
4,28
